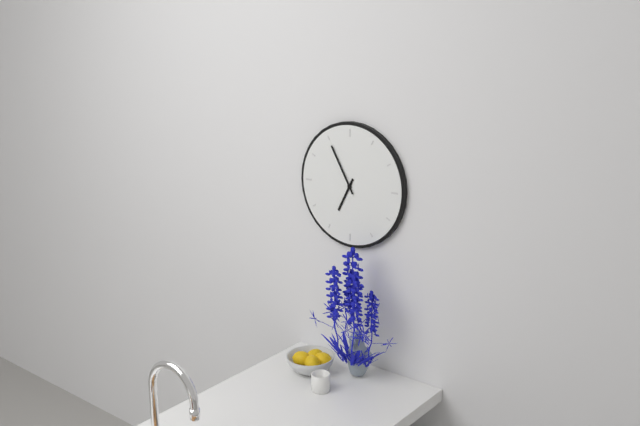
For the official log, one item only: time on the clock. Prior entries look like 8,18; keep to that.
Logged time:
6,55
